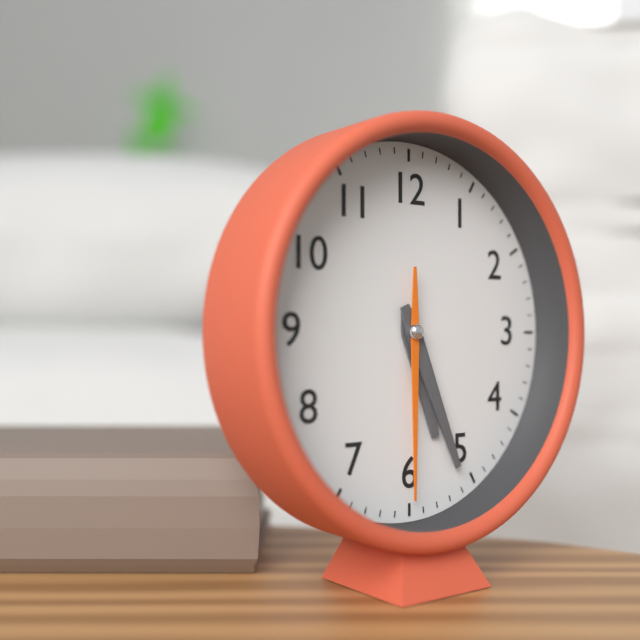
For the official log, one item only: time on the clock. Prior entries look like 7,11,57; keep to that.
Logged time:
5,26,30
